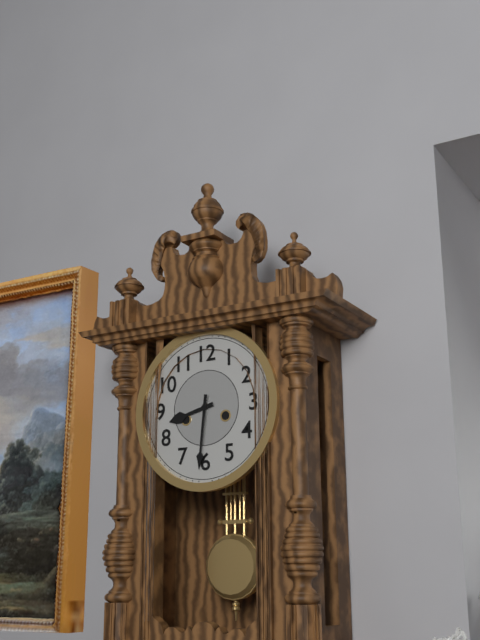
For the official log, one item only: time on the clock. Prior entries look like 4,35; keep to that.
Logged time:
8,31
